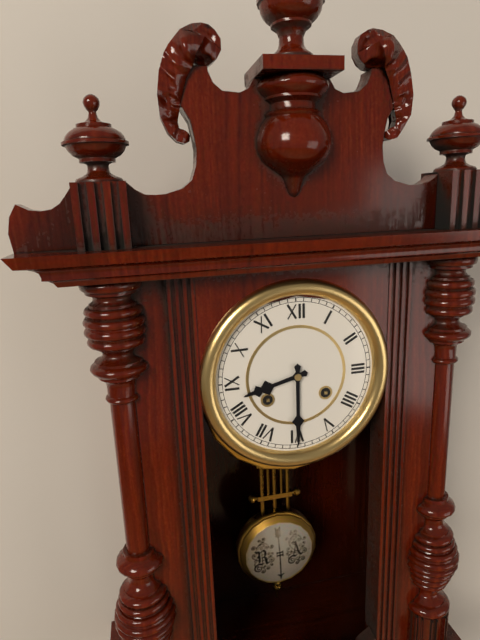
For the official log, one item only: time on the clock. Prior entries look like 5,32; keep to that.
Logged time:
8,30
